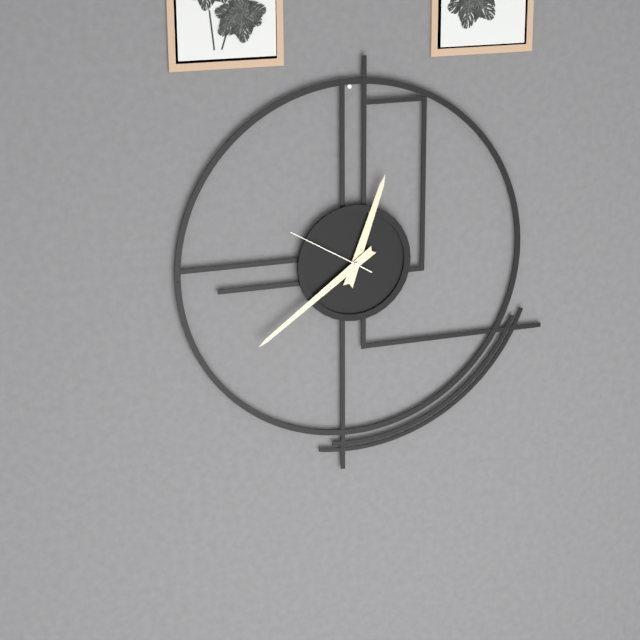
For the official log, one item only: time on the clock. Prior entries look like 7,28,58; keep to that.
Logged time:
12,39,50
